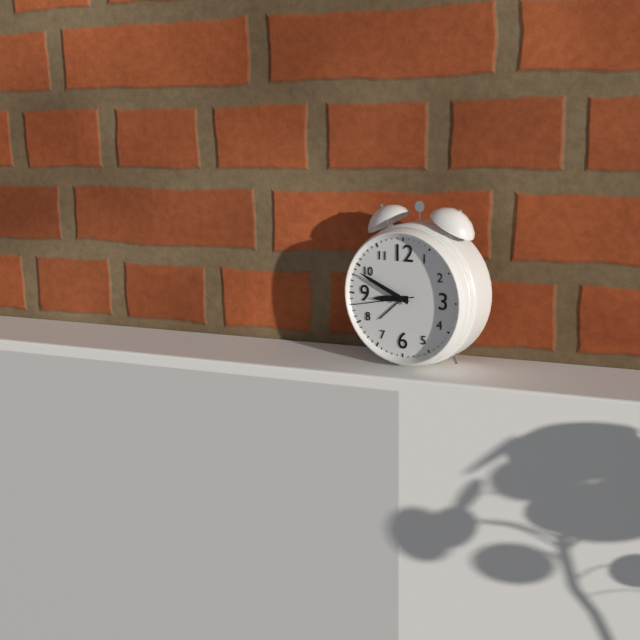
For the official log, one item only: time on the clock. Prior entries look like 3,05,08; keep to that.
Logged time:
8,49,43
